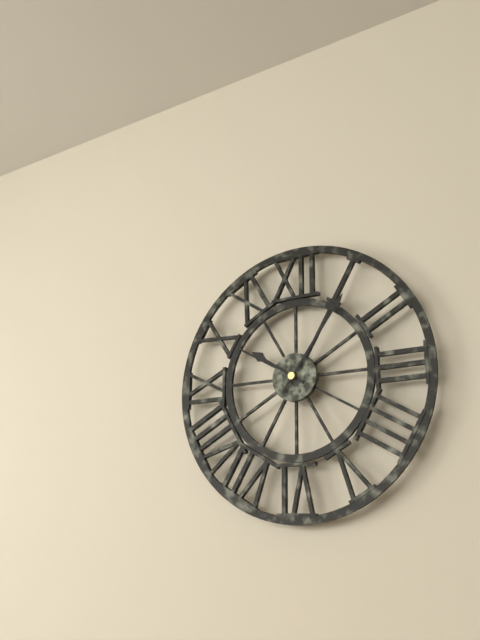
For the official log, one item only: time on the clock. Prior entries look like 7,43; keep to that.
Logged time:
10,06
